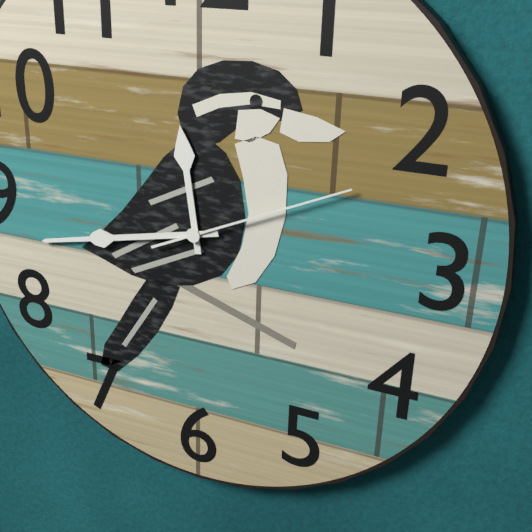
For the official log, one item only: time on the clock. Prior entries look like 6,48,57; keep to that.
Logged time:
11,43,11
